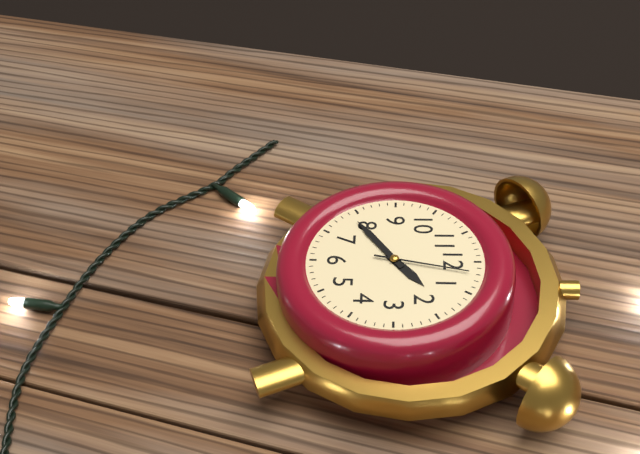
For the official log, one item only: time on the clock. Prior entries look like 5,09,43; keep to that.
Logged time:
1,39,02
